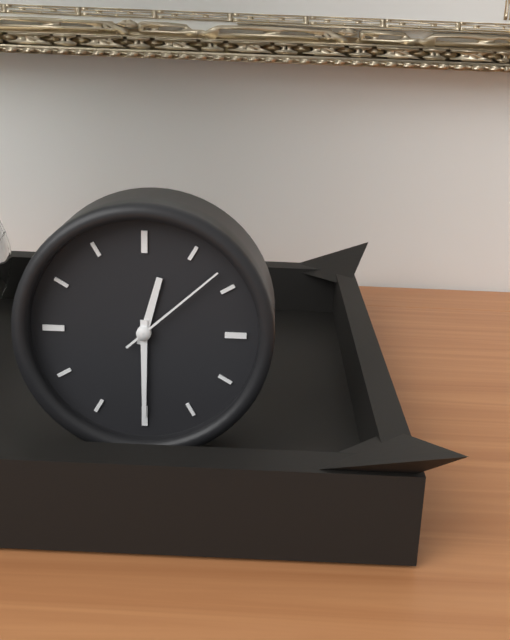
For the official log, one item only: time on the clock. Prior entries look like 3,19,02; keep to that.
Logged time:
12,30,08
